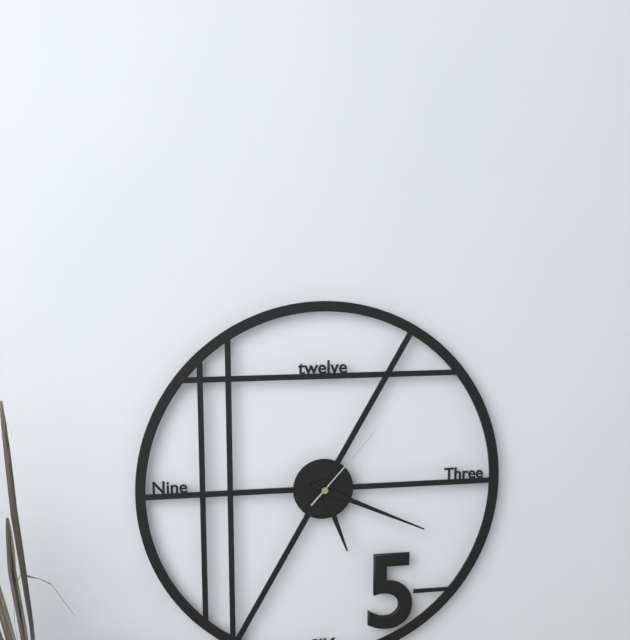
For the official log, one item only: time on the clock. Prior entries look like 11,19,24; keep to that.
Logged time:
5,19,07
